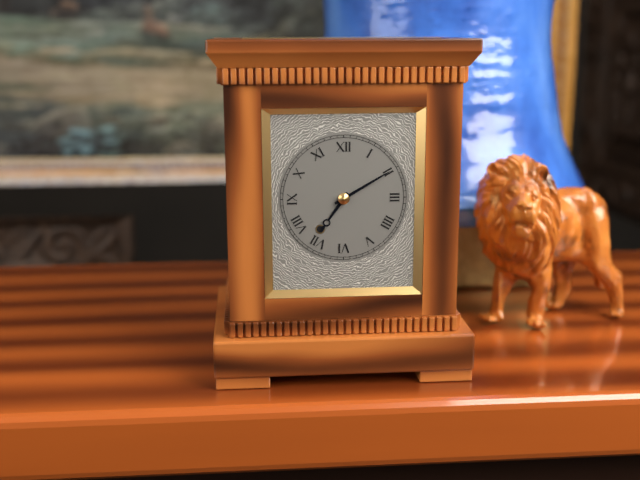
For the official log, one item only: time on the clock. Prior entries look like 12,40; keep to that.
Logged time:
7,10
